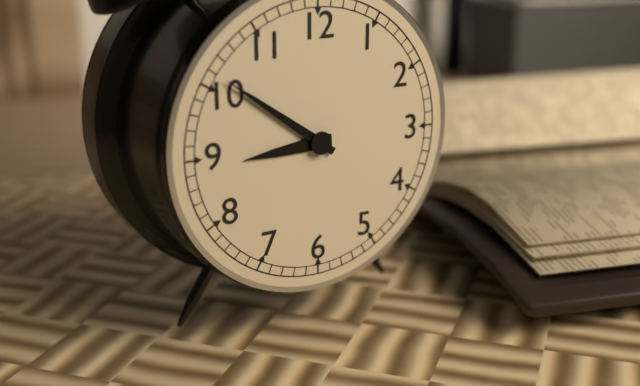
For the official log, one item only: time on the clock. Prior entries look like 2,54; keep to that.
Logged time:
8,51
